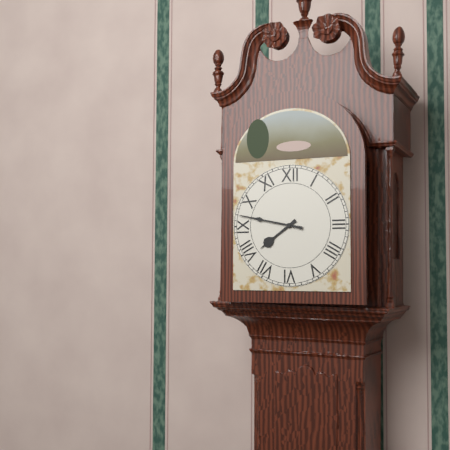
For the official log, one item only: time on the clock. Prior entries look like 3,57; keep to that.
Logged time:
7,47
